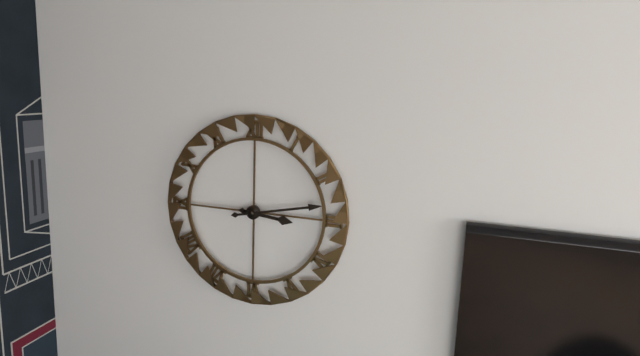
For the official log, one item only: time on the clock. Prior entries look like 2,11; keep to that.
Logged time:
3,13
